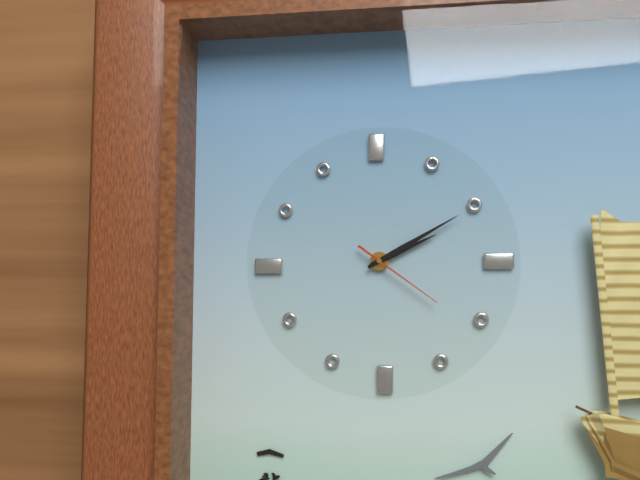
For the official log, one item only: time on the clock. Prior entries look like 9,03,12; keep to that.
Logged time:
2,10,21
